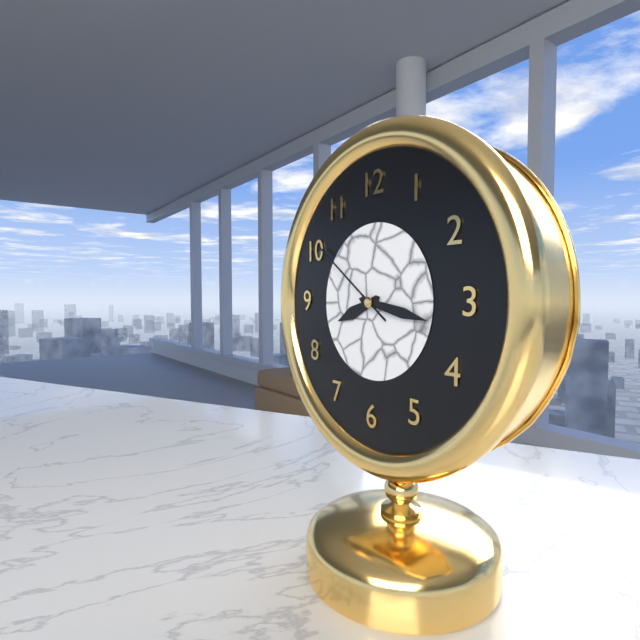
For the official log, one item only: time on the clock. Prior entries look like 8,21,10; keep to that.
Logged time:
8,17,51
